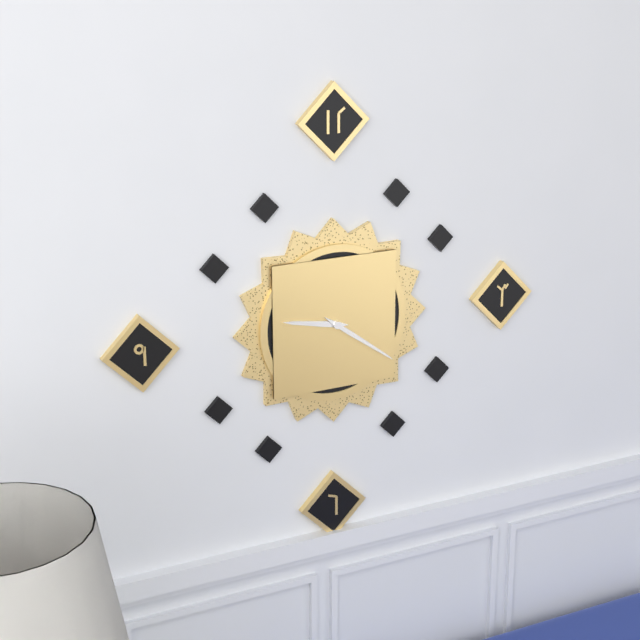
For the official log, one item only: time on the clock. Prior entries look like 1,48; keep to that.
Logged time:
9,21
